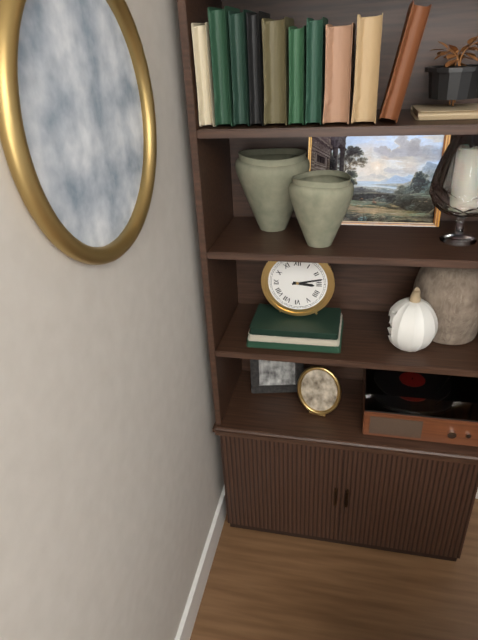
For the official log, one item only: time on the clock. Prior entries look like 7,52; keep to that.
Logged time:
3,13
